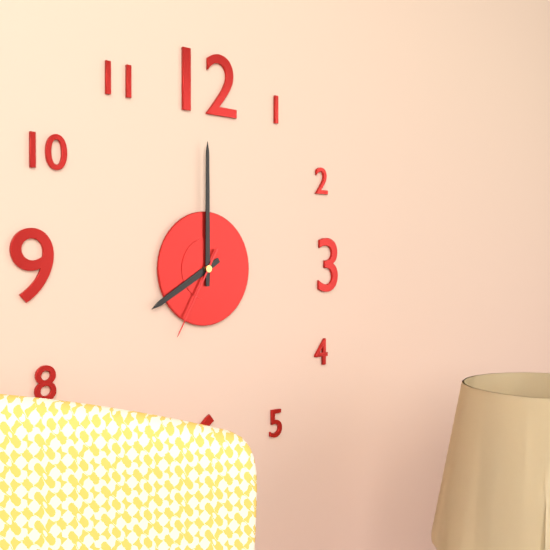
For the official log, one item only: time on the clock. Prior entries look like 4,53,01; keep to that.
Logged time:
8,00,35
